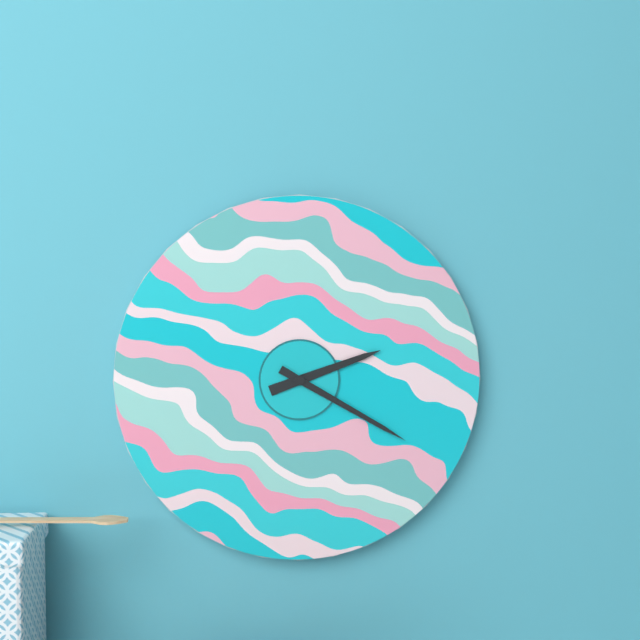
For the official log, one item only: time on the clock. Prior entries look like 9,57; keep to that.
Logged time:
2,20
